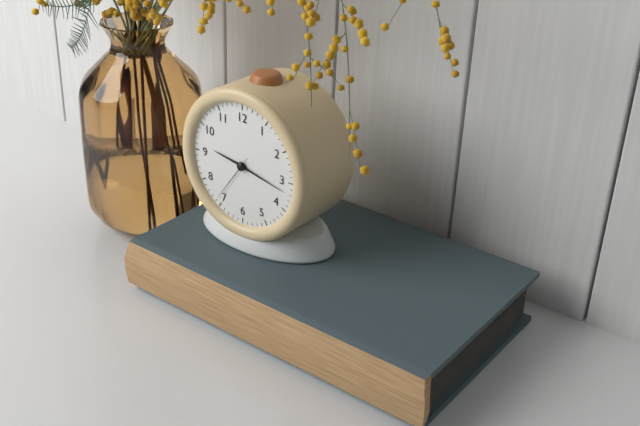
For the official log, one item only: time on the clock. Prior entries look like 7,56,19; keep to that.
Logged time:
9,17,36
